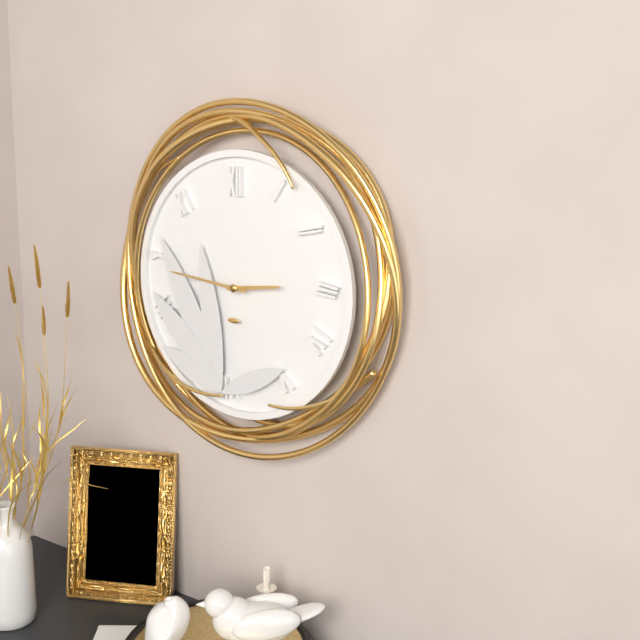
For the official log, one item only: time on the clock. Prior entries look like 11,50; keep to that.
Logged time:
2,46
